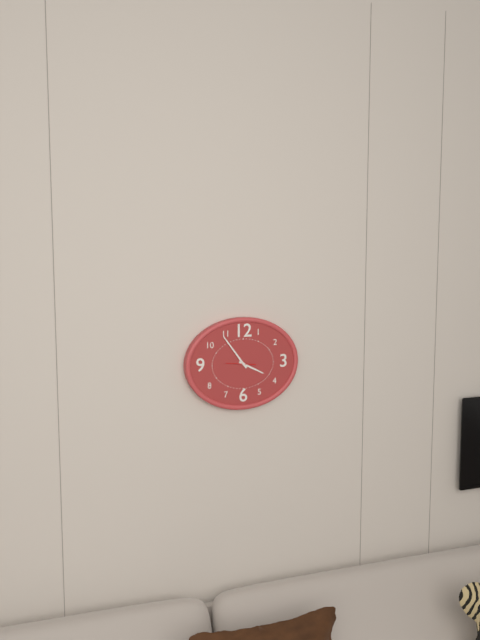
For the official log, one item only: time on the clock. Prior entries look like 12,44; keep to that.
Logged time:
3,54
